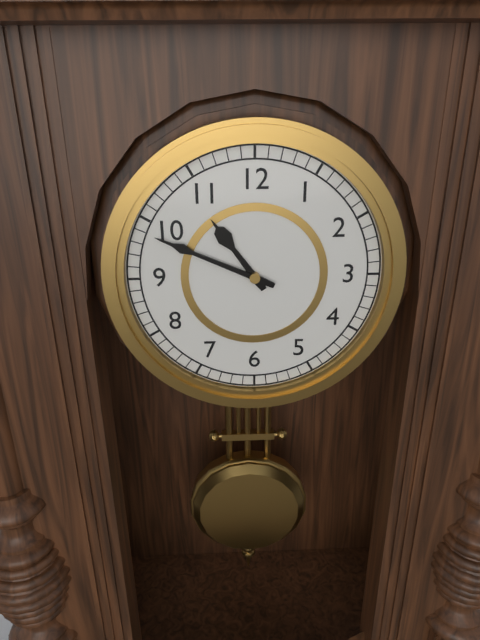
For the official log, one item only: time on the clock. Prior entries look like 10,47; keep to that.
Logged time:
10,49
